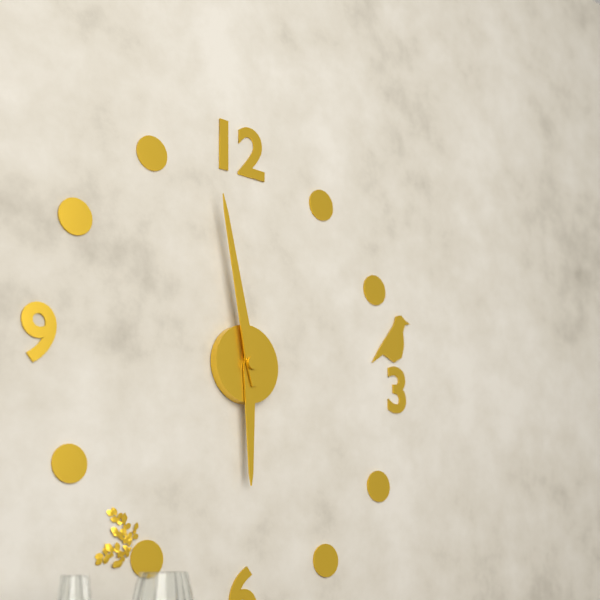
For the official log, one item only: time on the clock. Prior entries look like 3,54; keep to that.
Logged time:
5,58
